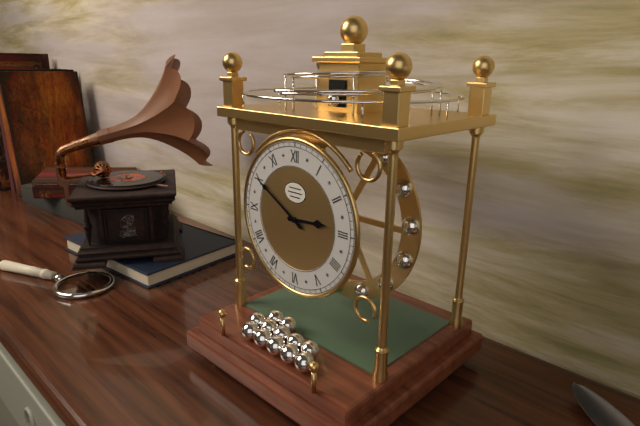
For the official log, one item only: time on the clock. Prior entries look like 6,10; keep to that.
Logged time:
2,50
